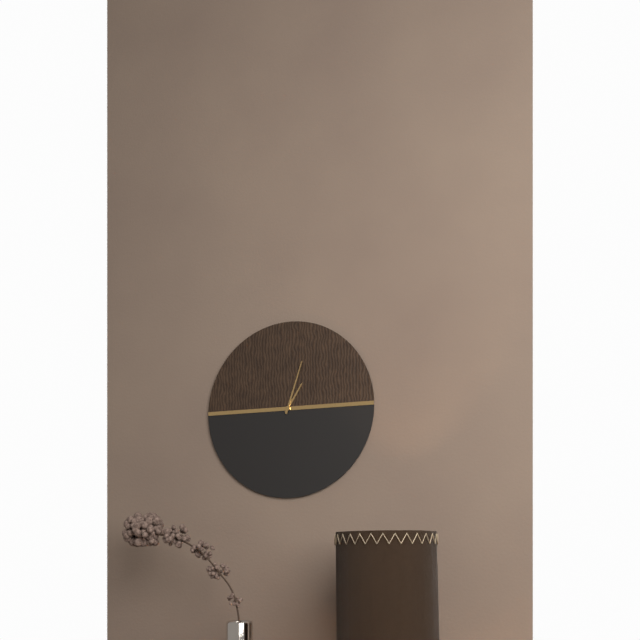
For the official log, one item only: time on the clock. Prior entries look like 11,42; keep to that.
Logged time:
1,03
